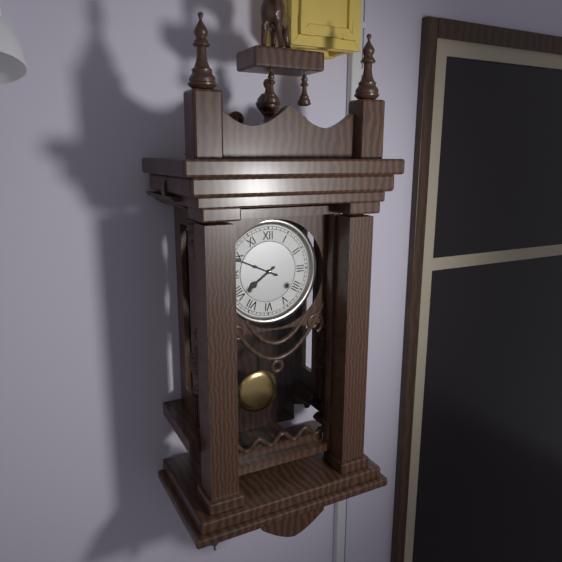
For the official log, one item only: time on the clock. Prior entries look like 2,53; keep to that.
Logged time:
7,49
